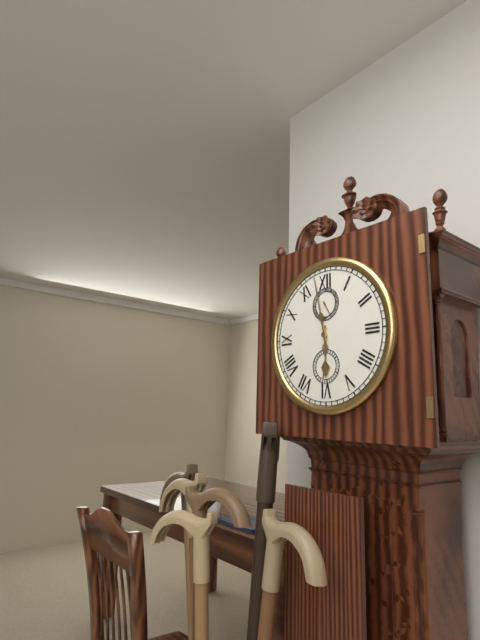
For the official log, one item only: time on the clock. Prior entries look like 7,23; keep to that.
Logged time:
5,58
